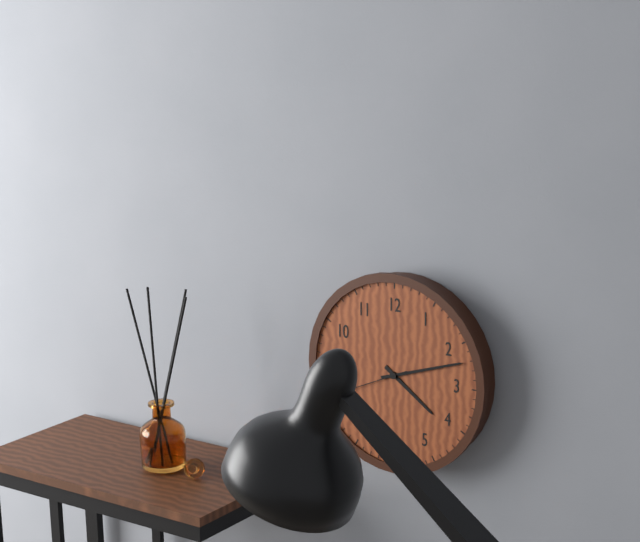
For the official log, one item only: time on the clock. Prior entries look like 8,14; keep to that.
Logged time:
4,12
